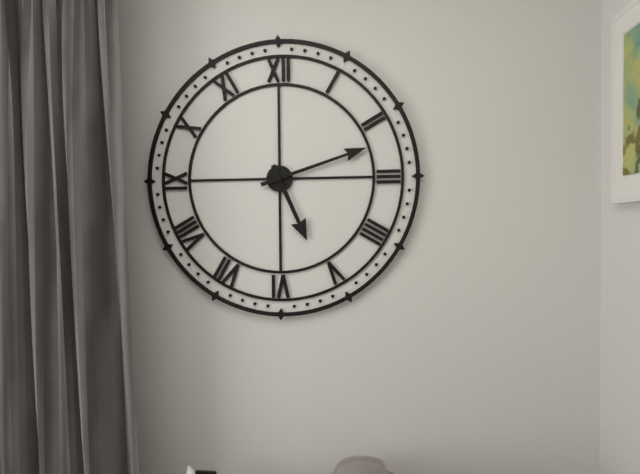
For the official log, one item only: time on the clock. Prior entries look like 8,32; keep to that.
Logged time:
5,12
